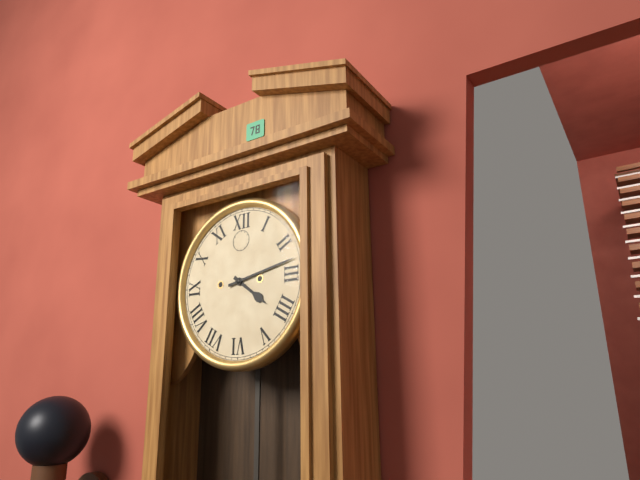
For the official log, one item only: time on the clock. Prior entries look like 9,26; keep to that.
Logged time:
4,13
